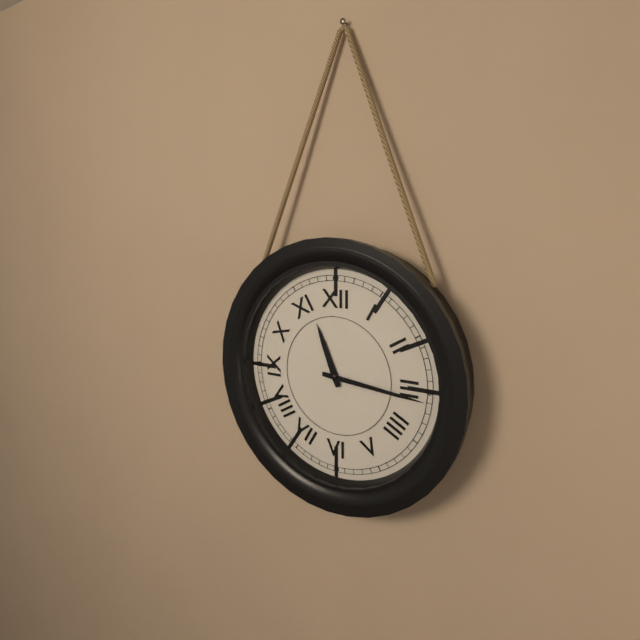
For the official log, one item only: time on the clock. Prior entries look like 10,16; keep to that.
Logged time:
11,16
